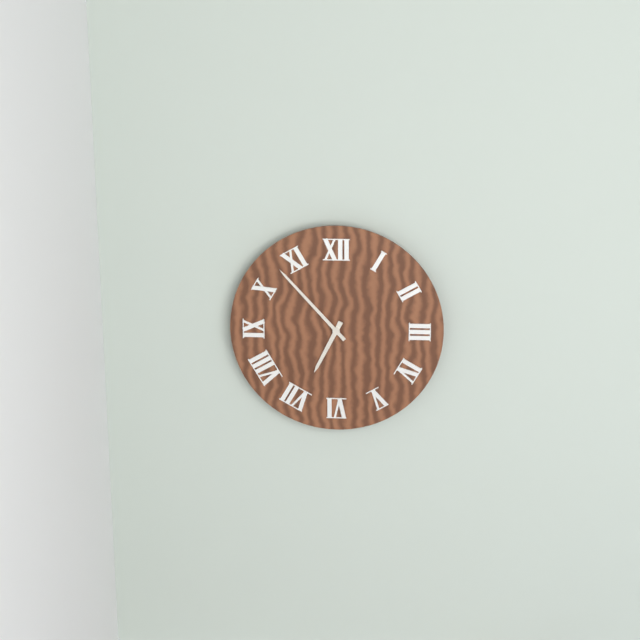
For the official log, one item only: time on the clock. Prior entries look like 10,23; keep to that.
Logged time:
6,53
